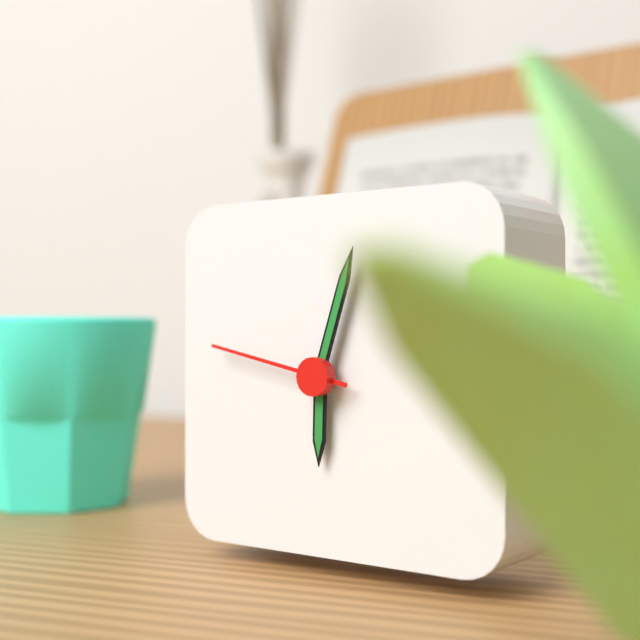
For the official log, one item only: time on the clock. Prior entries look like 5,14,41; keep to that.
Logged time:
6,03,47
